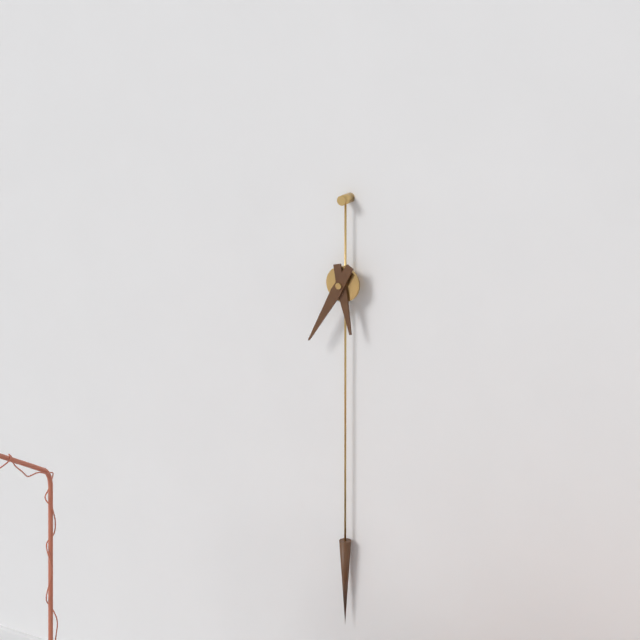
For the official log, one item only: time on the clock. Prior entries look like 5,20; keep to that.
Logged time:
5,35
